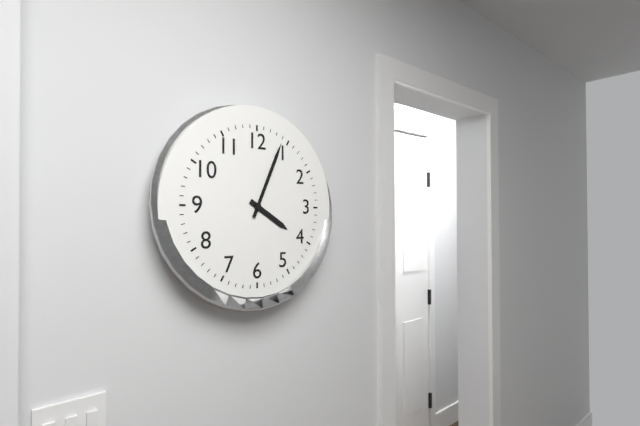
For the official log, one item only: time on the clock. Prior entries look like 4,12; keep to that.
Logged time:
4,04
